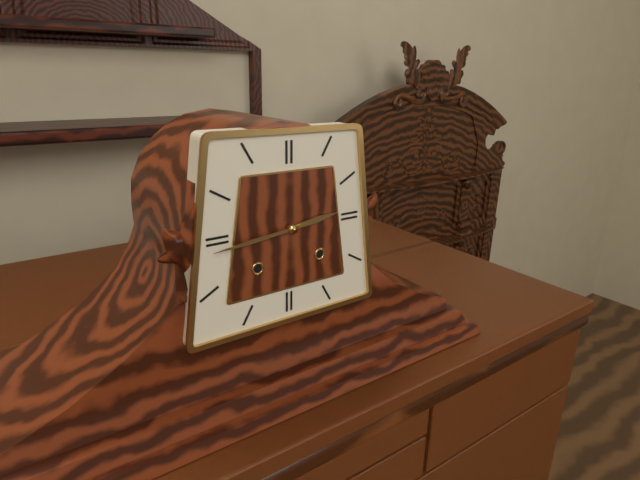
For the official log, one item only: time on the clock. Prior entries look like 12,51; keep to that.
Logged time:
2,44
